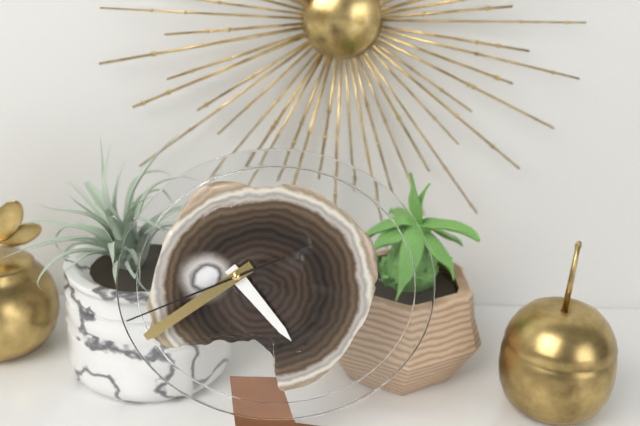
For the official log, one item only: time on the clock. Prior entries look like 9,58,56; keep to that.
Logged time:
4,39,41
